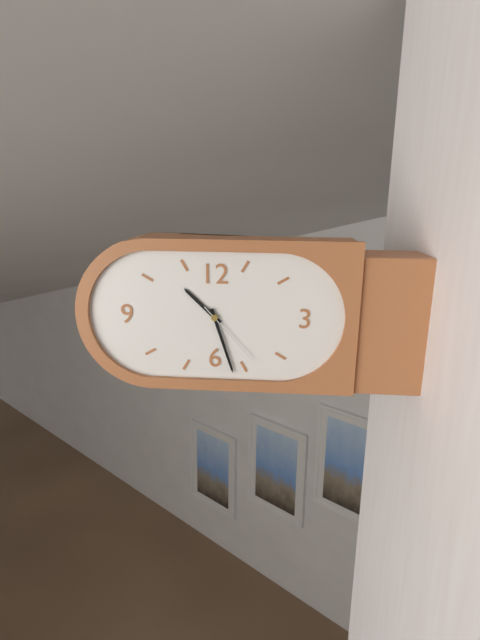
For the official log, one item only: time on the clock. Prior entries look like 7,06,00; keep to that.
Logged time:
10,27,23
